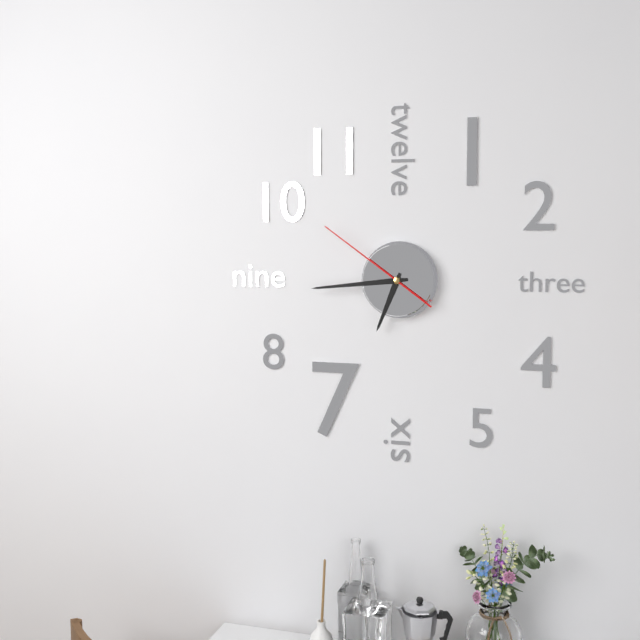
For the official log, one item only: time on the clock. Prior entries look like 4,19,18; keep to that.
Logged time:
6,44,51
